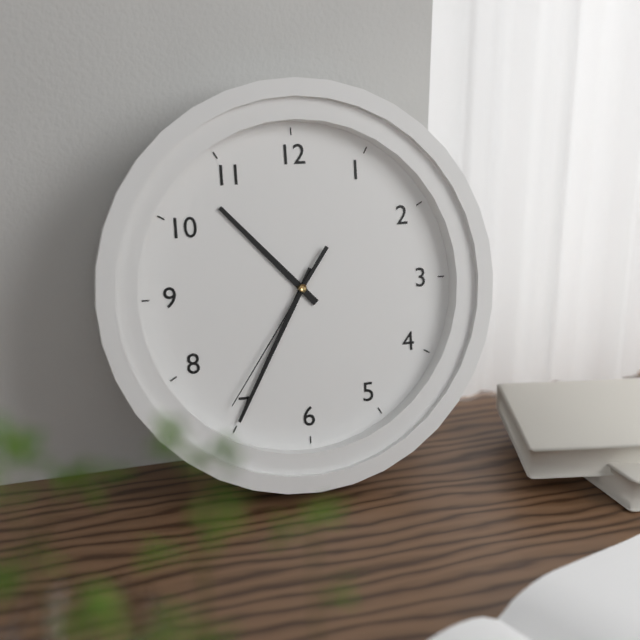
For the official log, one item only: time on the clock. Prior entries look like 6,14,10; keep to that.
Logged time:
10,35,36
